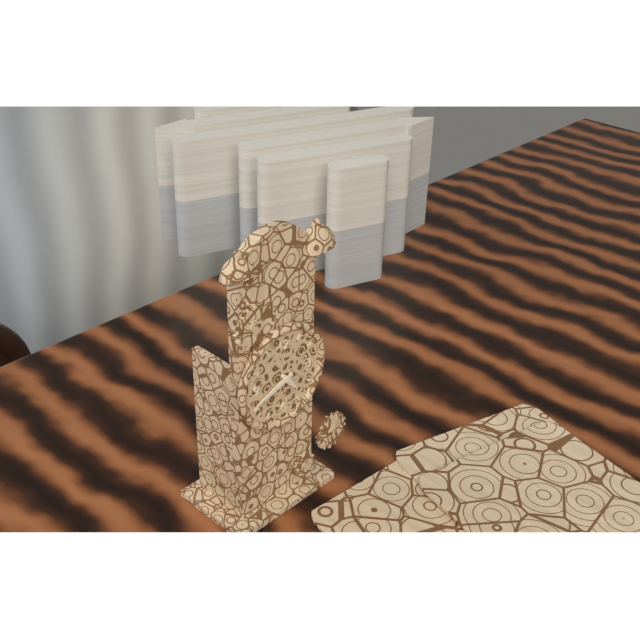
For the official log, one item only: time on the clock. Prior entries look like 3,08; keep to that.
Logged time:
4,42
